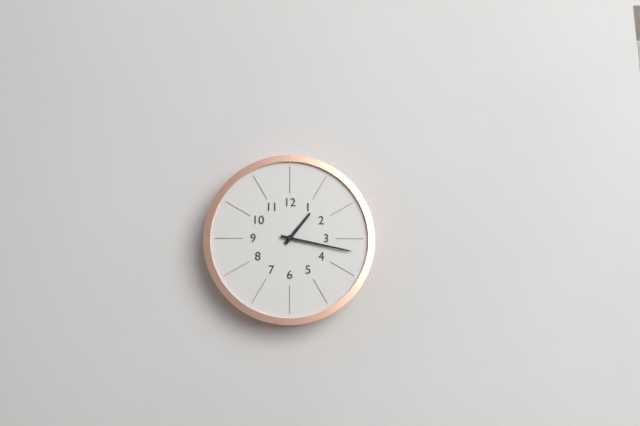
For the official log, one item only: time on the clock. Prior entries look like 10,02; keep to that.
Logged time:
1,17
